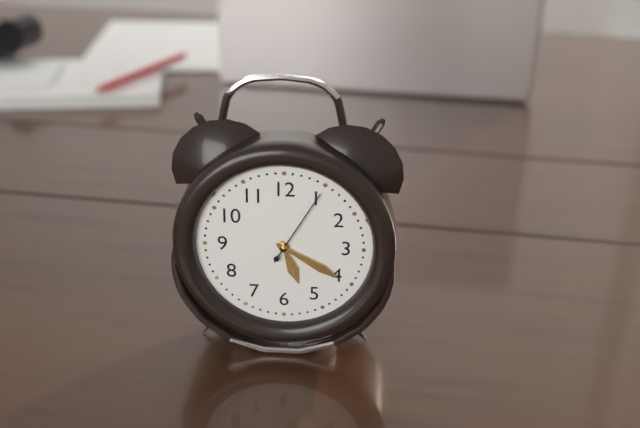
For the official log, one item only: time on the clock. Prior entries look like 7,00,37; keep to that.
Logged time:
5,20,05
